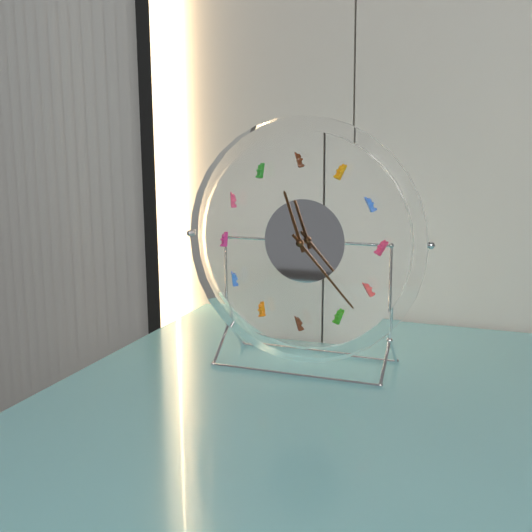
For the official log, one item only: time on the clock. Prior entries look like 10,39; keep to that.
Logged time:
11,23
